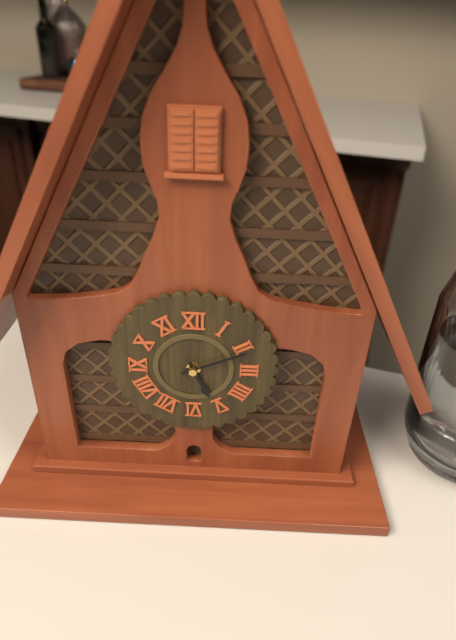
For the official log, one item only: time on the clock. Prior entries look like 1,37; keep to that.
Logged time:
5,11
